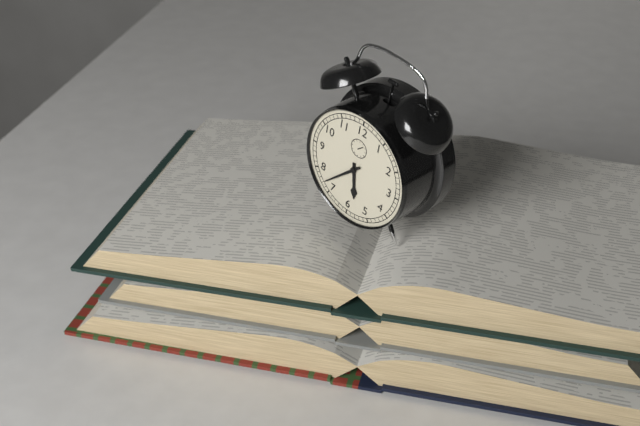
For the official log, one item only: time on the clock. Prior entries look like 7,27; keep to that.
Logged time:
5,37
